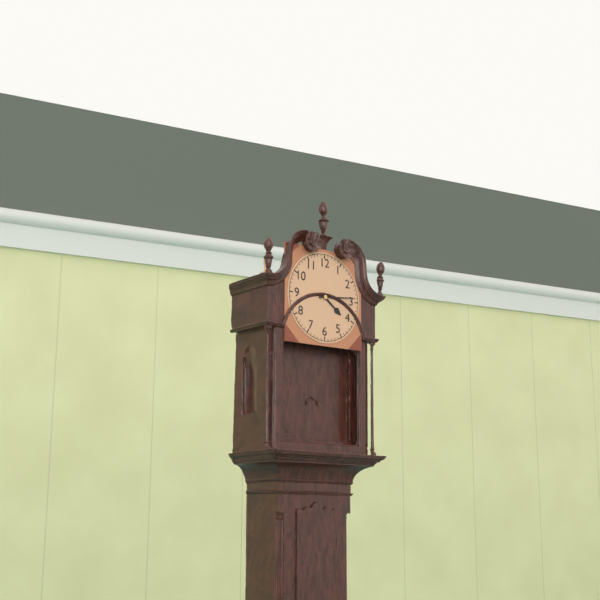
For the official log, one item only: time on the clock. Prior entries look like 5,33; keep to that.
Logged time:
4,14
